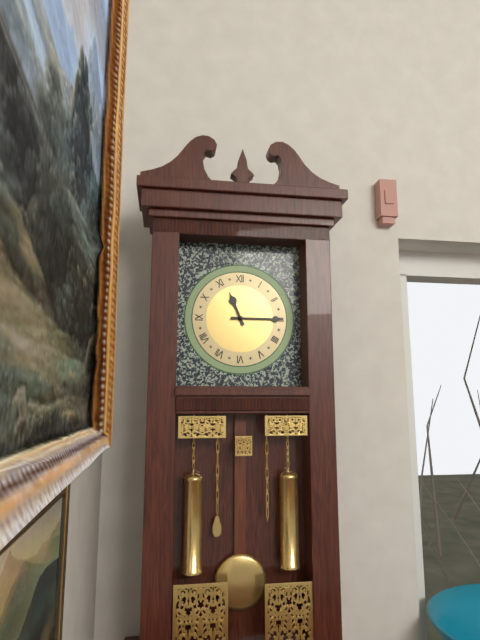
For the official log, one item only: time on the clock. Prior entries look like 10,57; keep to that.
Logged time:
11,15
